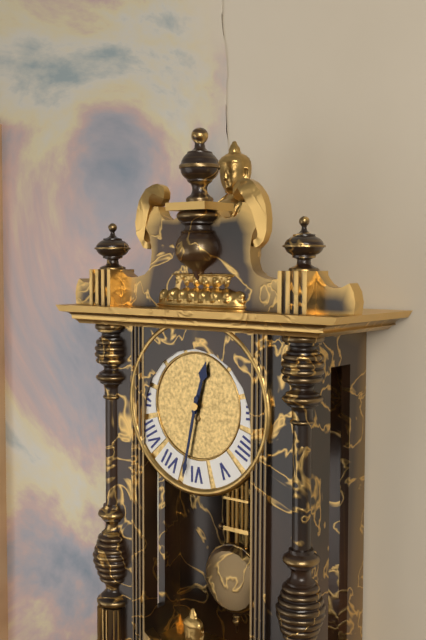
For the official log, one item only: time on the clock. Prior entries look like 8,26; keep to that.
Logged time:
12,32
